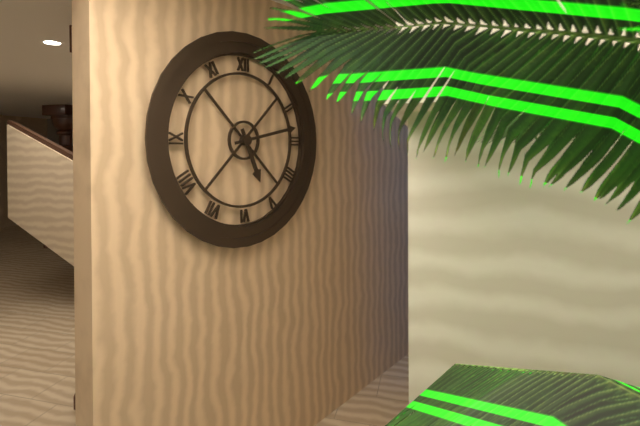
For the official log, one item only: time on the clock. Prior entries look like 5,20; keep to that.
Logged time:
5,13
